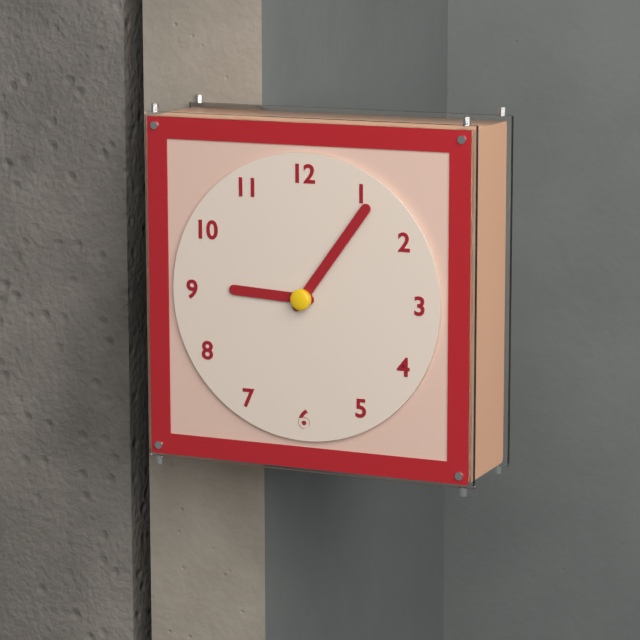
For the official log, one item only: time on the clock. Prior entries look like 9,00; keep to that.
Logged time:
9,06
